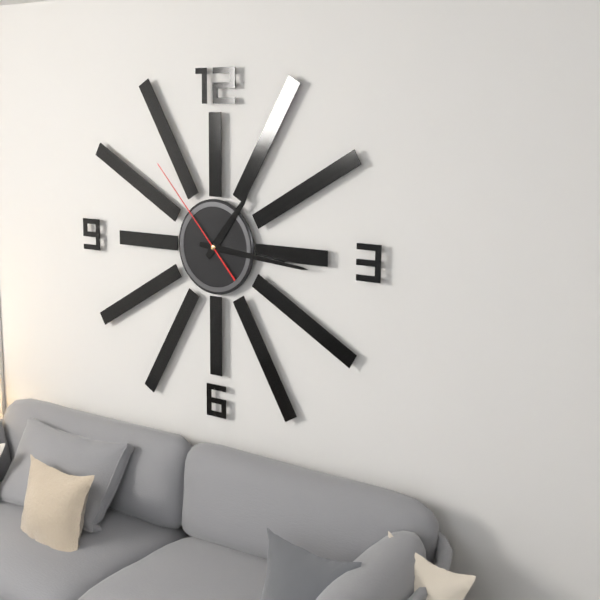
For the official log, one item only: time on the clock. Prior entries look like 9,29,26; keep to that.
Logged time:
1,16,53
